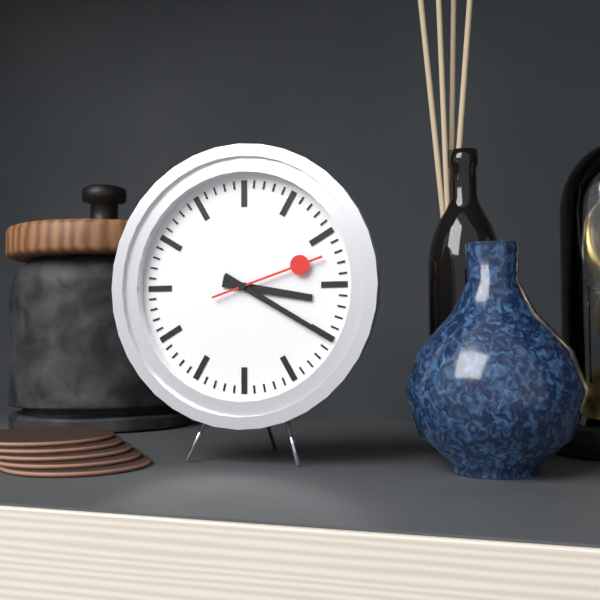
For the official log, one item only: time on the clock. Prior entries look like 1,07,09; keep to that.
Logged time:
3,20,12
